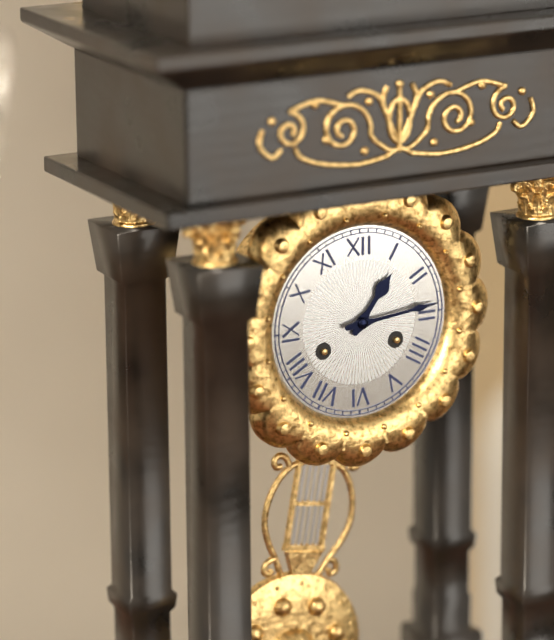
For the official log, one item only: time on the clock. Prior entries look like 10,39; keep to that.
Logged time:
1,14
